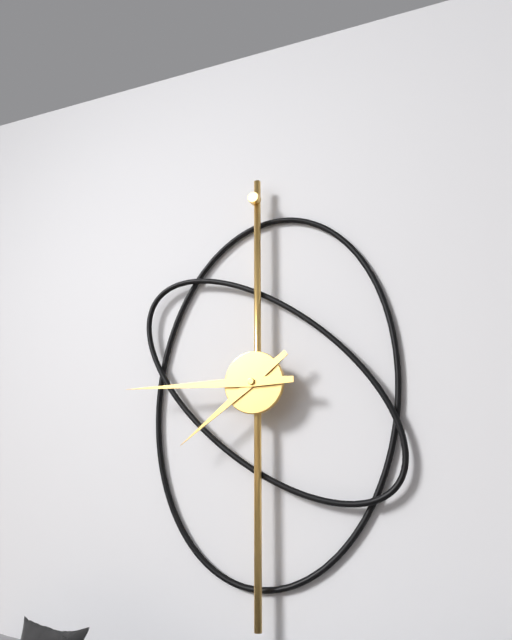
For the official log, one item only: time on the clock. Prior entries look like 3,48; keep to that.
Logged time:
7,45
